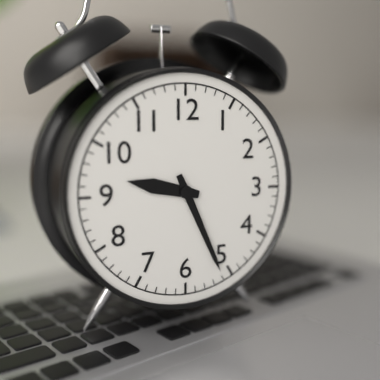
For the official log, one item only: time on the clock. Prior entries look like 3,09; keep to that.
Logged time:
9,26
